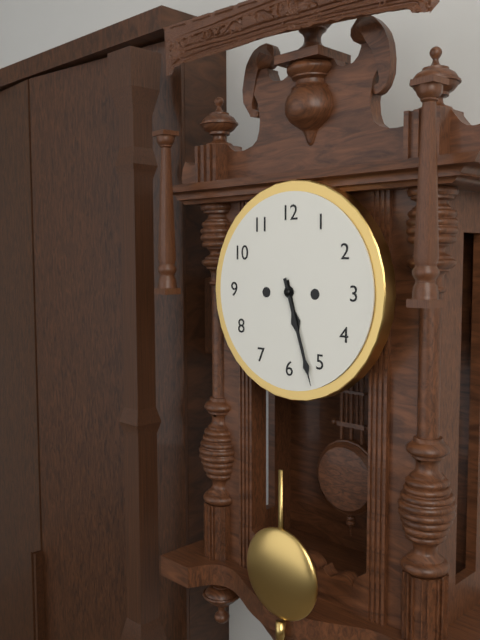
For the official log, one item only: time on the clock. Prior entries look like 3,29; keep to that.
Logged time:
5,27
